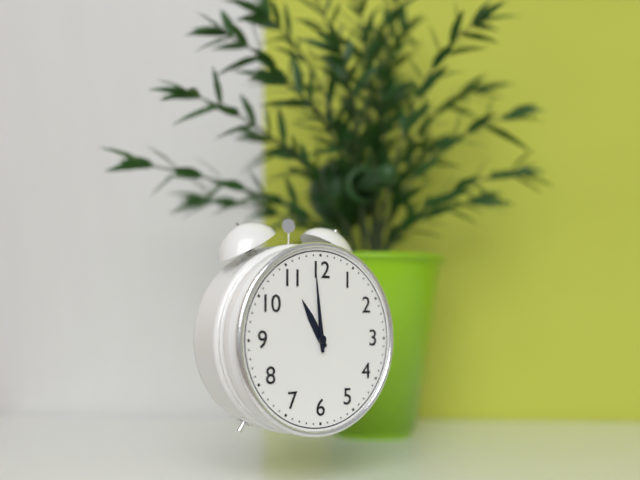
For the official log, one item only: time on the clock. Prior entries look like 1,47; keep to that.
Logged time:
10,59
